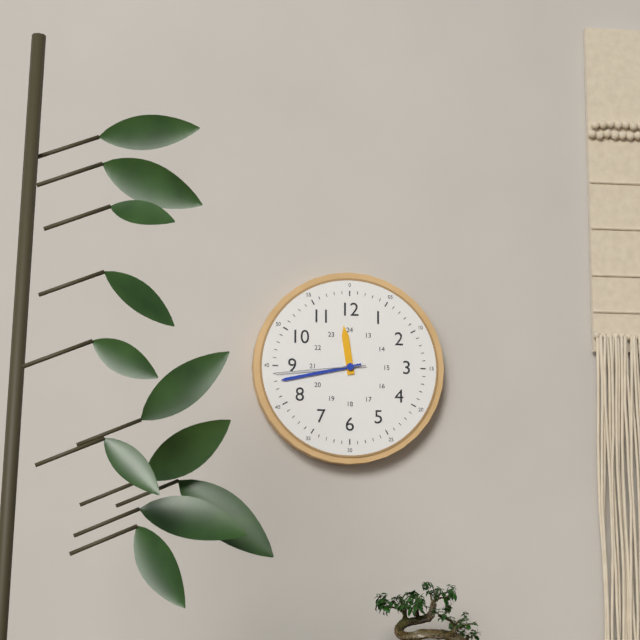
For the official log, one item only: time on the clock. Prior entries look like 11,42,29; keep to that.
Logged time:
11,43,44
